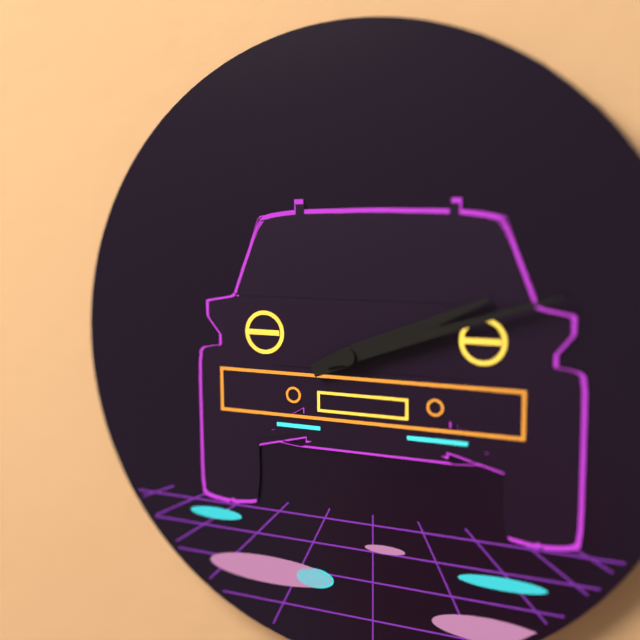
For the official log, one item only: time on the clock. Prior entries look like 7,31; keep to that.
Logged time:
2,12
